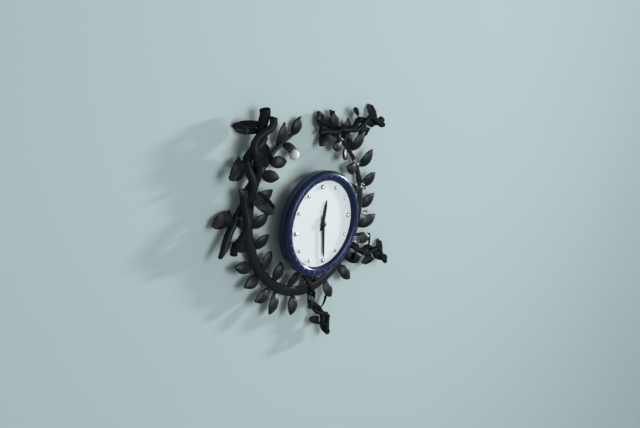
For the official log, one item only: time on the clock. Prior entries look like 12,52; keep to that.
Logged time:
12,30
